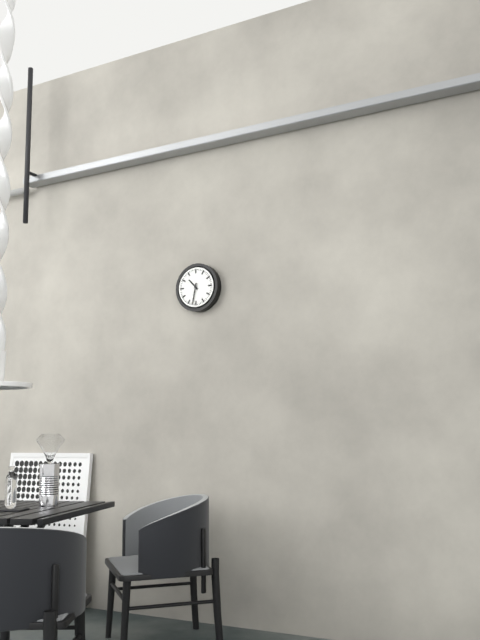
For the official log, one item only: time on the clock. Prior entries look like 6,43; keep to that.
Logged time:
10,32
